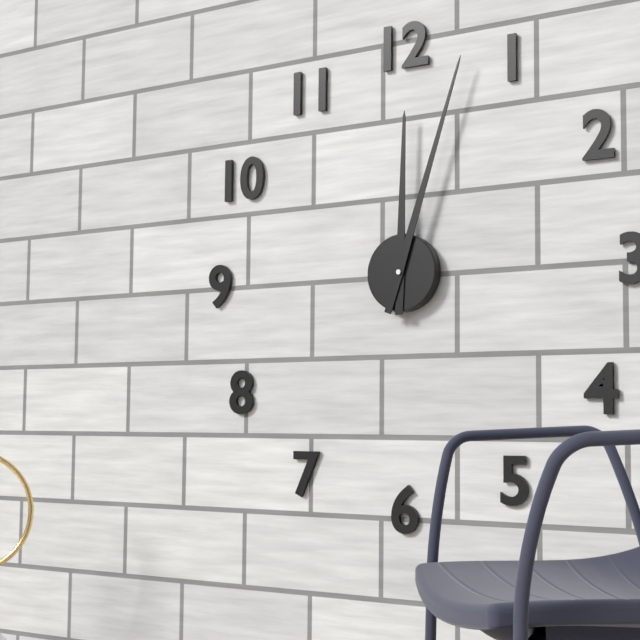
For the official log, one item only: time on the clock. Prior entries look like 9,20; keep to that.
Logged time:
12,03
